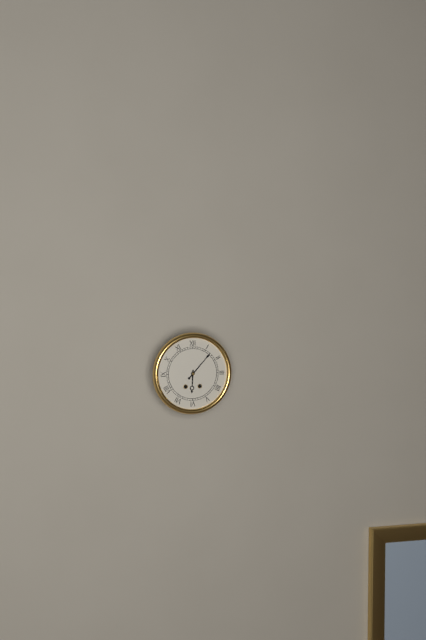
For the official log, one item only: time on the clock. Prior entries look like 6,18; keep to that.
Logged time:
6,07
